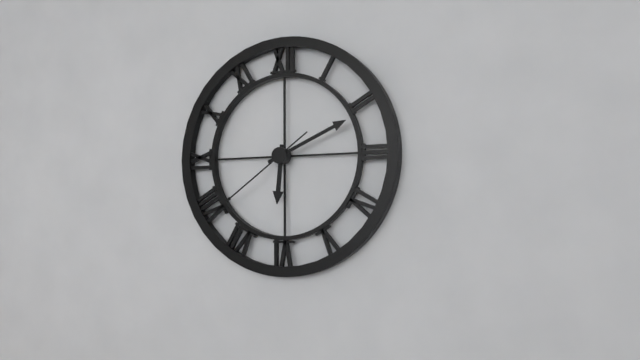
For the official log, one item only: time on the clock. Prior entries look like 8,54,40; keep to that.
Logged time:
6,11,39
